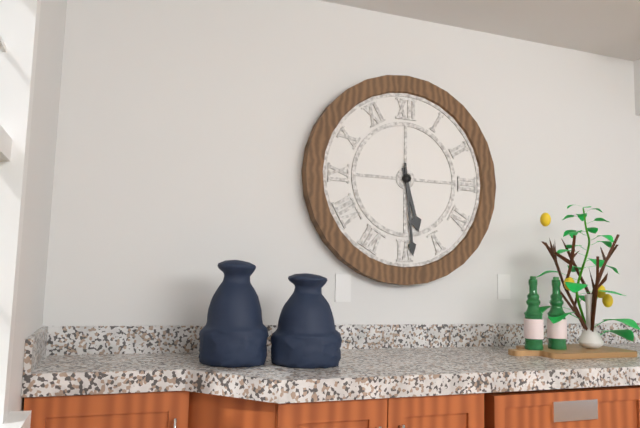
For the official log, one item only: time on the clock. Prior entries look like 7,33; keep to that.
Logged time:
5,29
